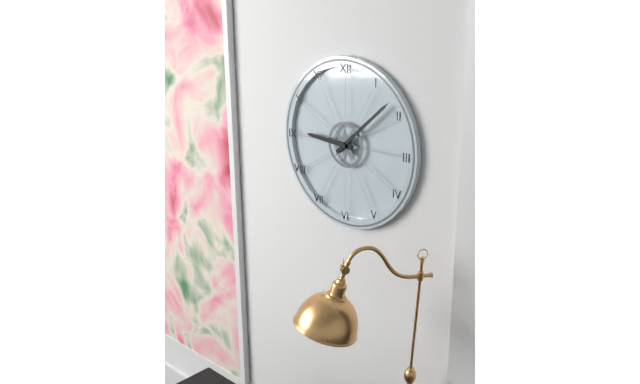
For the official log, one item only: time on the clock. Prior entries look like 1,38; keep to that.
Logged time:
9,08
